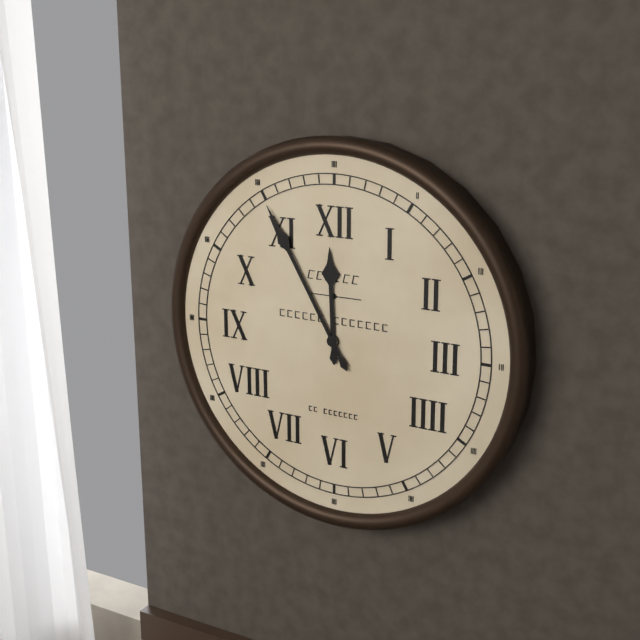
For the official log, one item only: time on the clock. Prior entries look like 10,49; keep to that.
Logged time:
11,55
